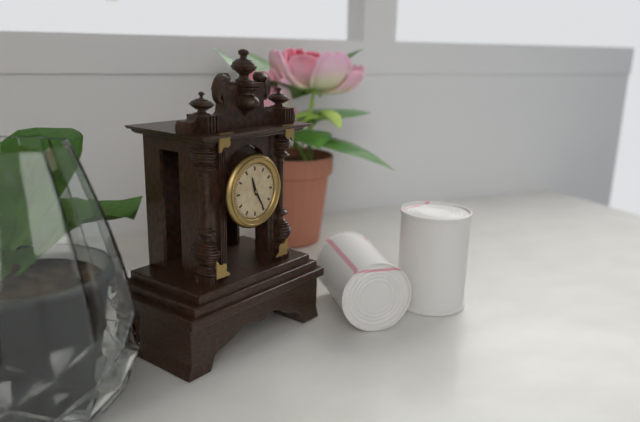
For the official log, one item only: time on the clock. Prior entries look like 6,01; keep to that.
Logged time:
11,25
